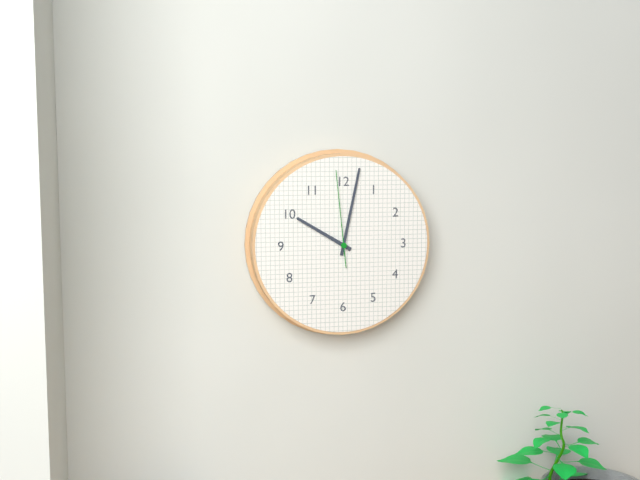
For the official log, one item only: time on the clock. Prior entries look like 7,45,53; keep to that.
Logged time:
10,02,59
